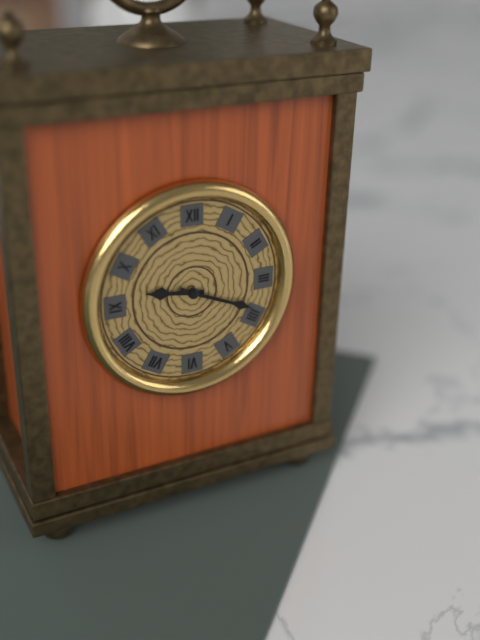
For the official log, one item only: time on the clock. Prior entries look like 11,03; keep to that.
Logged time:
9,19
